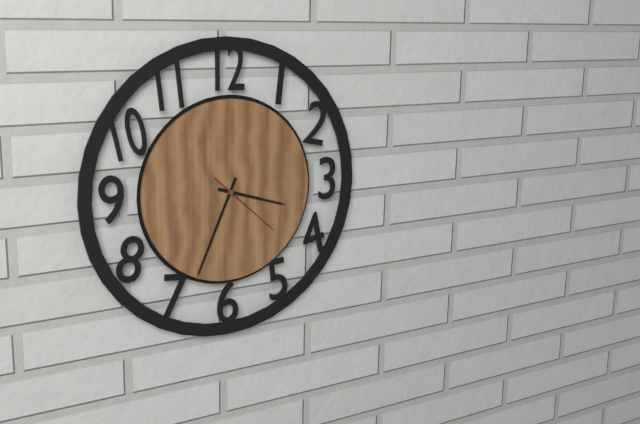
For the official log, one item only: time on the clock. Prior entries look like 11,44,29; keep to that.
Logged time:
3,34,22
